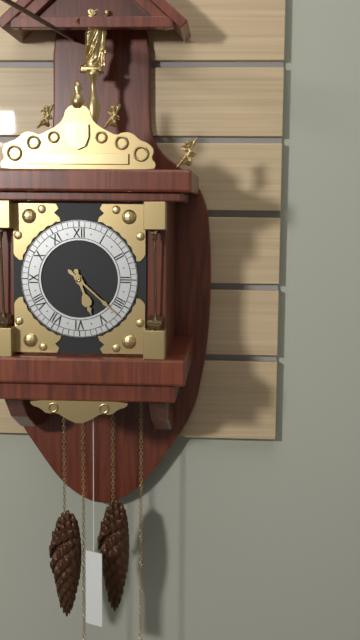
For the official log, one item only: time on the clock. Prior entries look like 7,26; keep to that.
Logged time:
5,22
